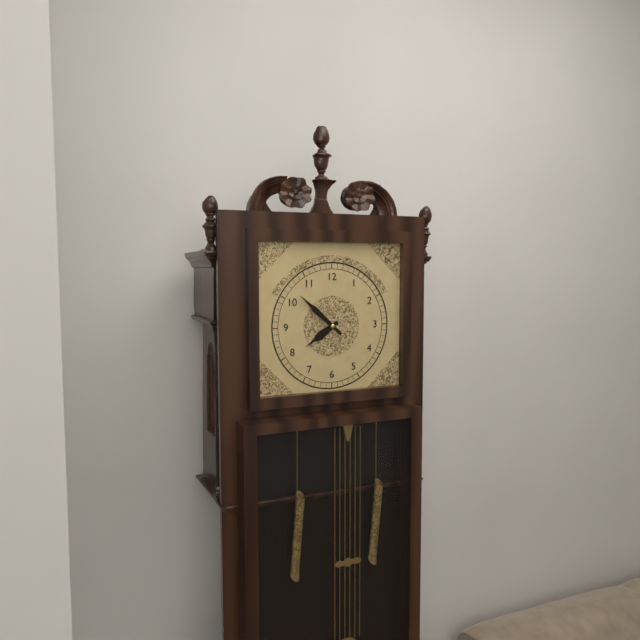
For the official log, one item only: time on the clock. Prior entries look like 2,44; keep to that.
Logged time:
7,52
